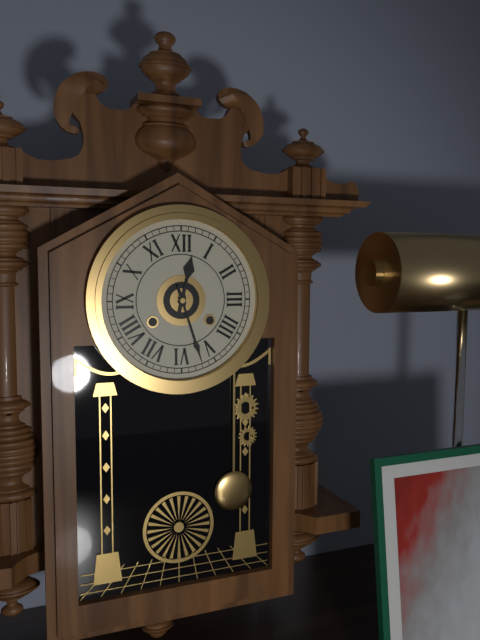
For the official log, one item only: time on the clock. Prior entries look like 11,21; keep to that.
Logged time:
12,27
